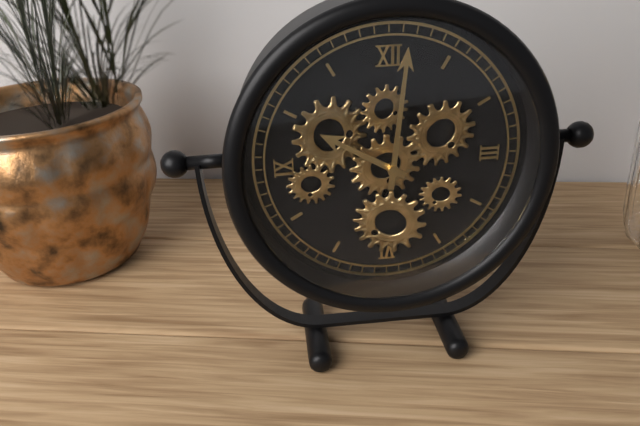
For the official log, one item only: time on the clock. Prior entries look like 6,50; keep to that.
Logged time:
10,01
